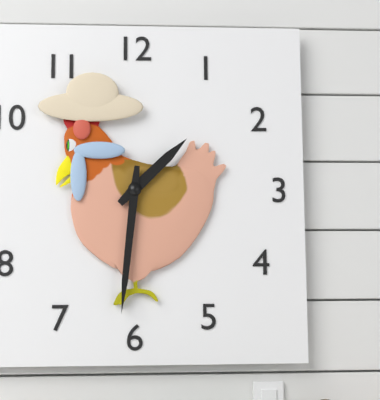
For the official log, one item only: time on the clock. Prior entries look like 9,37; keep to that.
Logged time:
1,31
